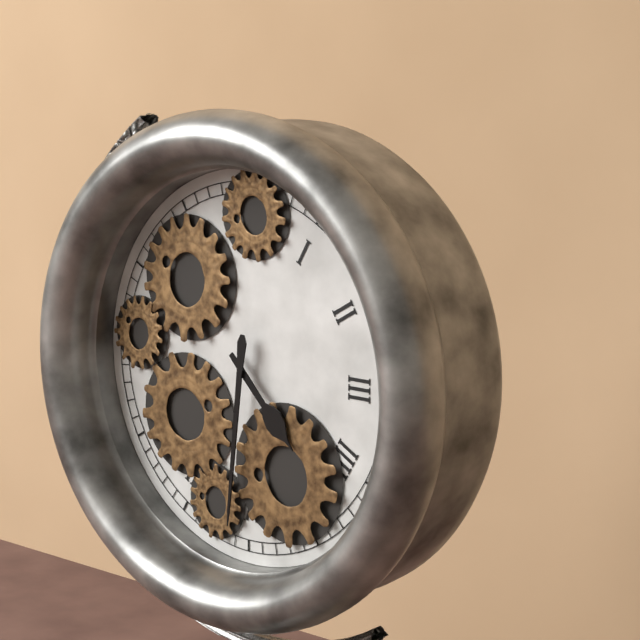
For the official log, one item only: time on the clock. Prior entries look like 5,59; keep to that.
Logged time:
4,31
